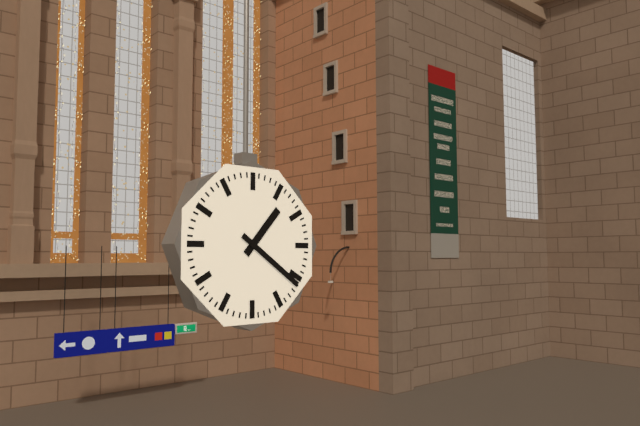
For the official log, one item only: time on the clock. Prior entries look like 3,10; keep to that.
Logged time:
1,21
